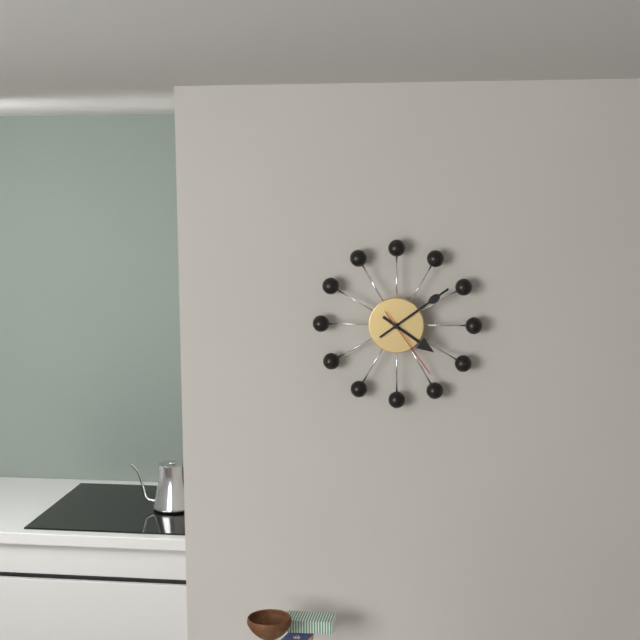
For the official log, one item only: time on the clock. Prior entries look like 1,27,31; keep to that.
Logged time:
4,09,24
